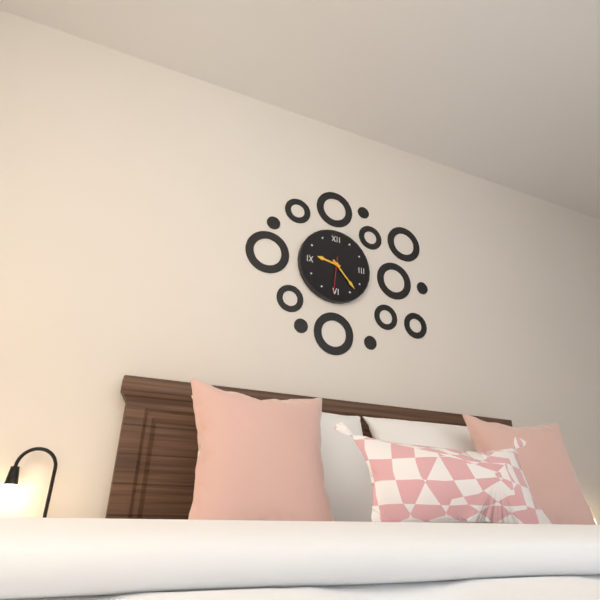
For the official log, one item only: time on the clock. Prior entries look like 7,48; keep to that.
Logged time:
9,23
